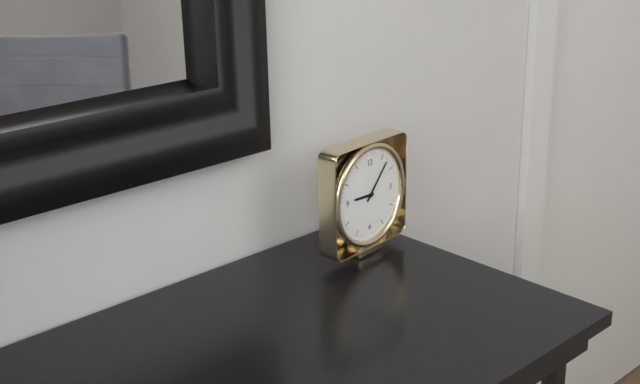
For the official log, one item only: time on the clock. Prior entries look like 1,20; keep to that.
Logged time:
9,07
